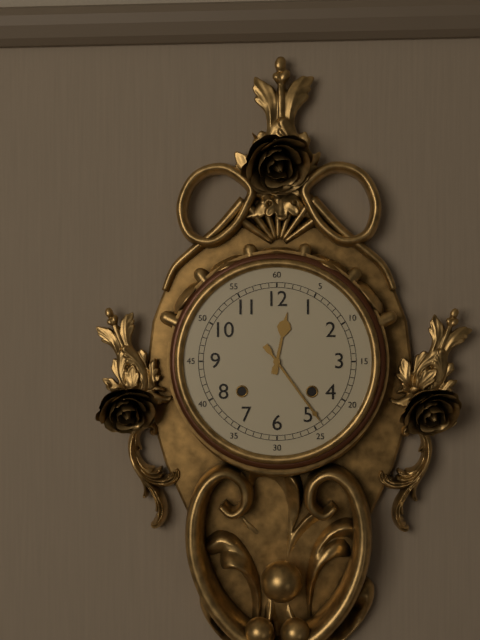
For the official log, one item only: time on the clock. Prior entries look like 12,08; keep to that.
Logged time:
12,24
